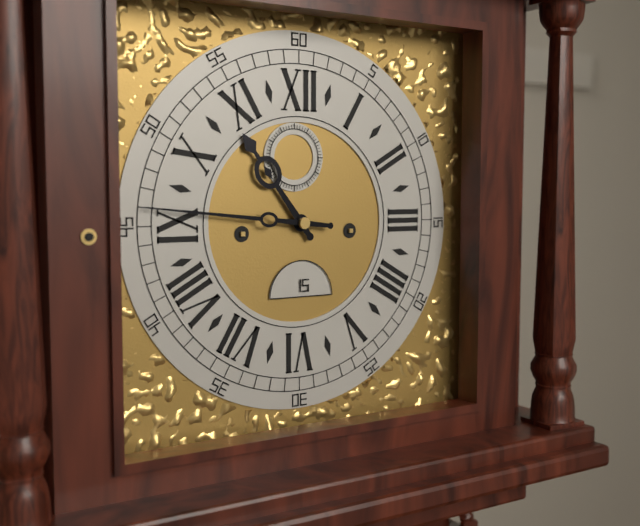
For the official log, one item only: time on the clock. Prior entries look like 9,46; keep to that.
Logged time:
10,46
